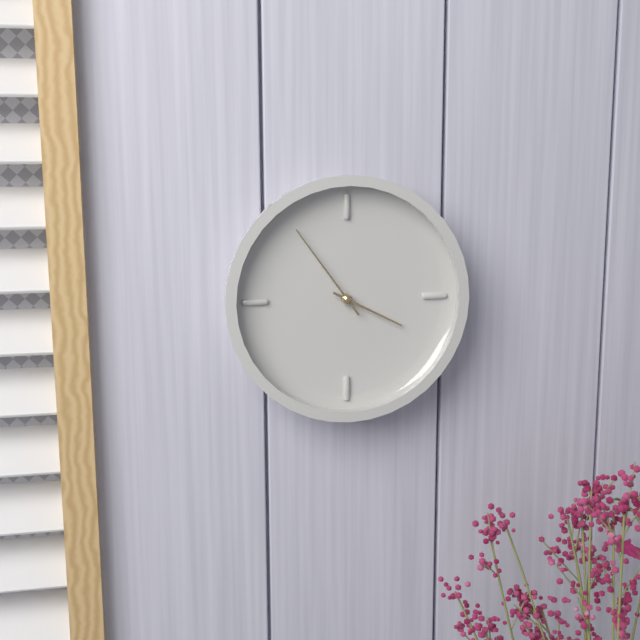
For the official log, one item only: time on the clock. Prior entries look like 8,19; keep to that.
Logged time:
3,54
